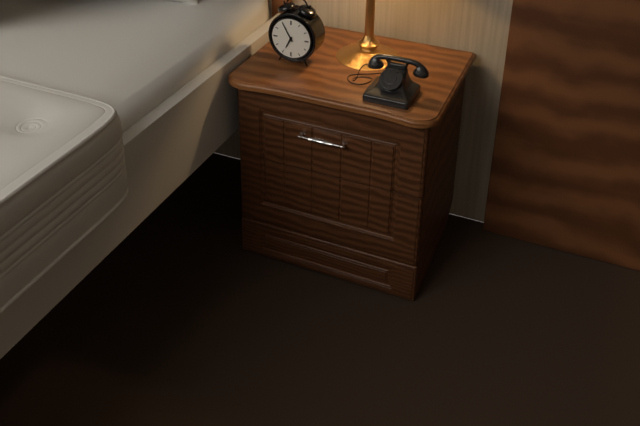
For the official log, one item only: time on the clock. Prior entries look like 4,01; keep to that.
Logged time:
6,55
